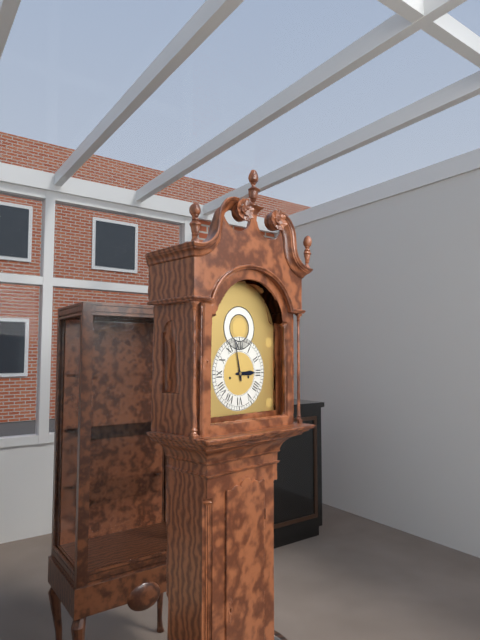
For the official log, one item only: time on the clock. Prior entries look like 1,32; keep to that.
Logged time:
2,58
